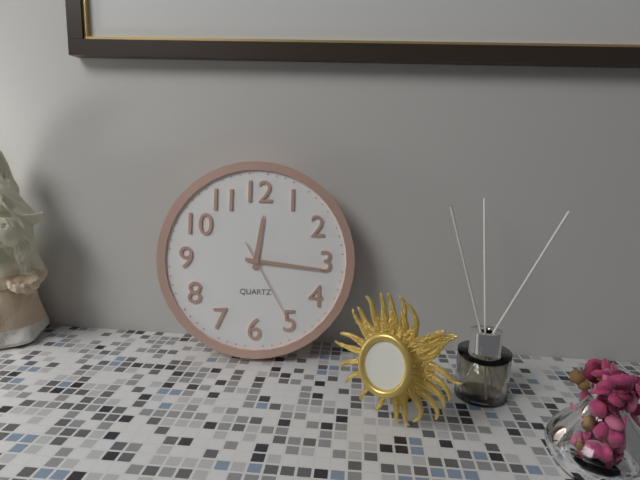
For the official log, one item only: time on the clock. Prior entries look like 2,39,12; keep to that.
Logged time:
12,16,25
